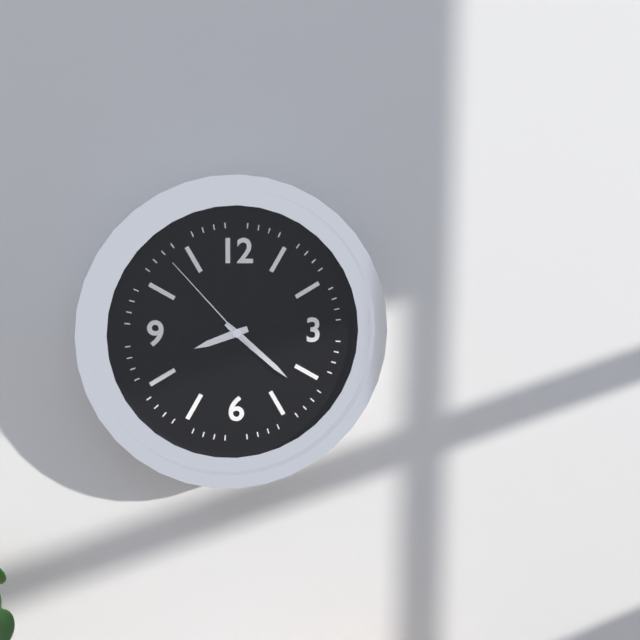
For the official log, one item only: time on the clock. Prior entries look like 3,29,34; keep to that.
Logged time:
8,22,53
